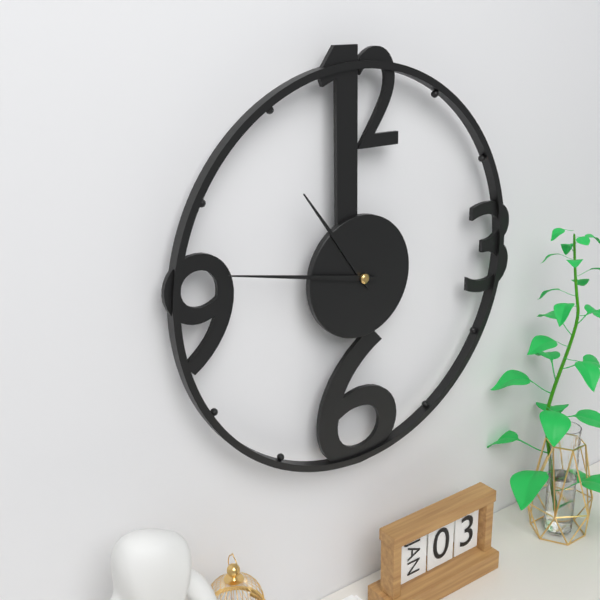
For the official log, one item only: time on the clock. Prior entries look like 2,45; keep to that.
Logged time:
10,47
